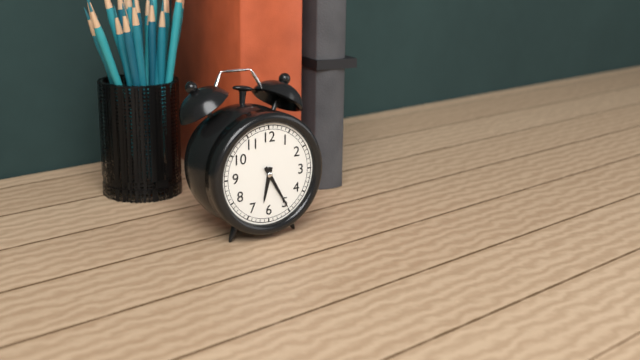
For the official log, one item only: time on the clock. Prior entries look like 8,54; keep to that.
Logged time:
6,25
